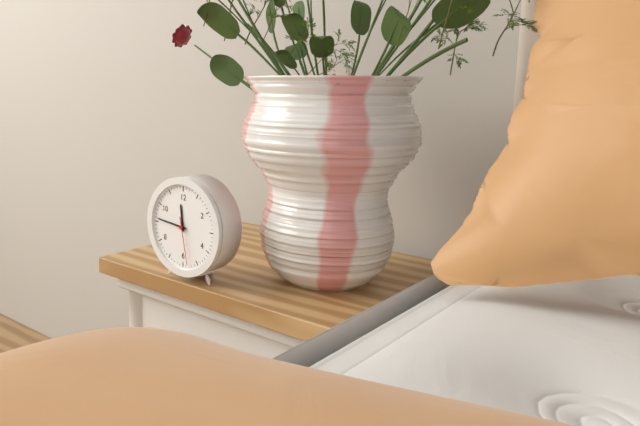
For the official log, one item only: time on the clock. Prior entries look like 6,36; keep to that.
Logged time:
11,46
